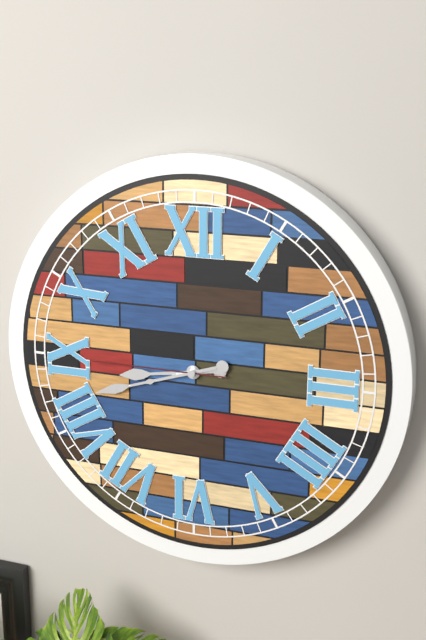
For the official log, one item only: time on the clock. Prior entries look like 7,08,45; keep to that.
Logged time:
8,42,45
